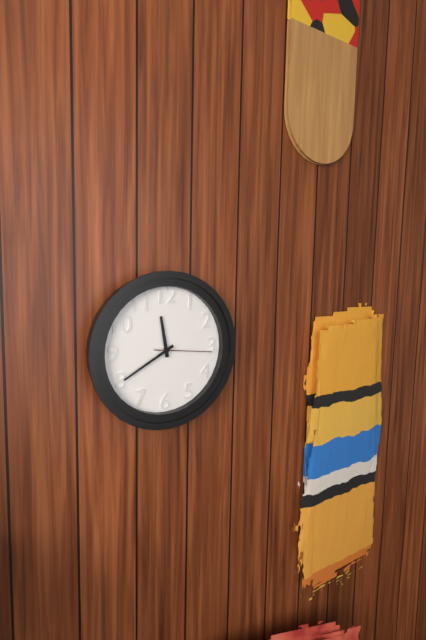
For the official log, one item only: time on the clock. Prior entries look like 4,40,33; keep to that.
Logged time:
11,40,16
